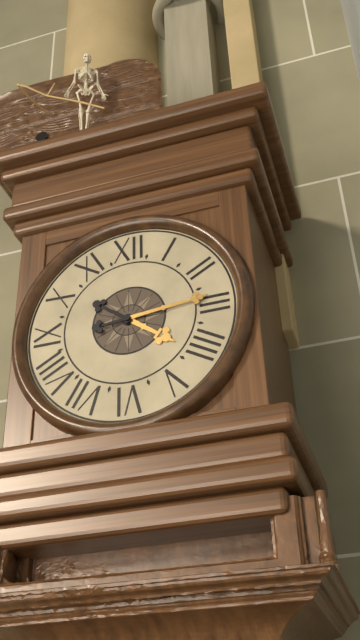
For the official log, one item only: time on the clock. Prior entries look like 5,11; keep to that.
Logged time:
4,14
